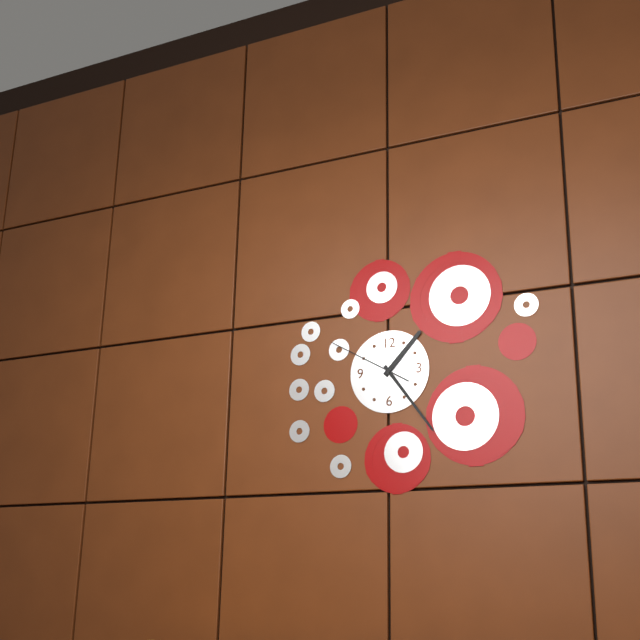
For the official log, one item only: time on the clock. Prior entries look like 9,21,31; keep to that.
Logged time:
1,24,50
